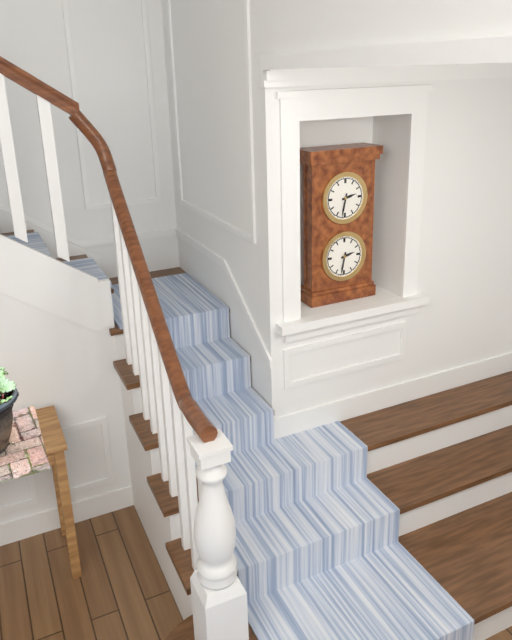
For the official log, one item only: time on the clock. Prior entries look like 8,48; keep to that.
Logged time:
2,32
